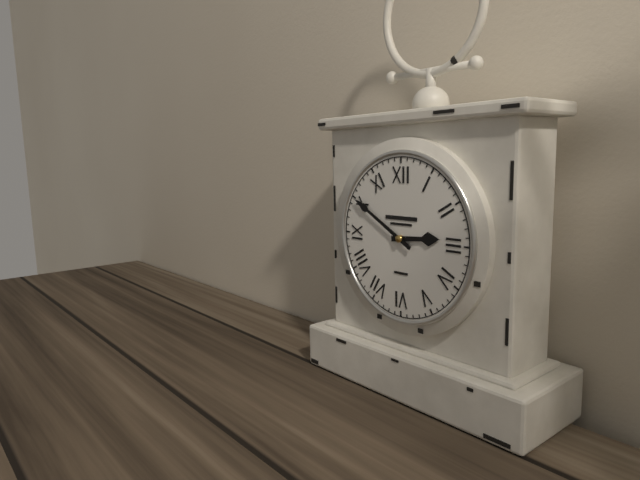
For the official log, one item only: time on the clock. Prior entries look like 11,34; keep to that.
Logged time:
2,50
